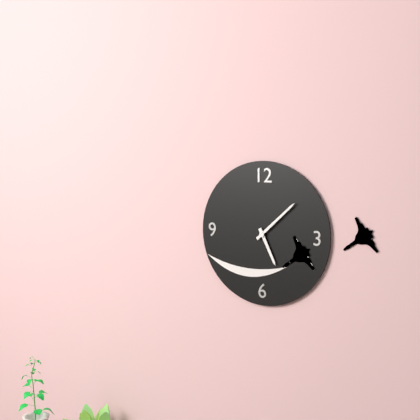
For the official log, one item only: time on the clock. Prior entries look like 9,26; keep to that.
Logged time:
5,08
